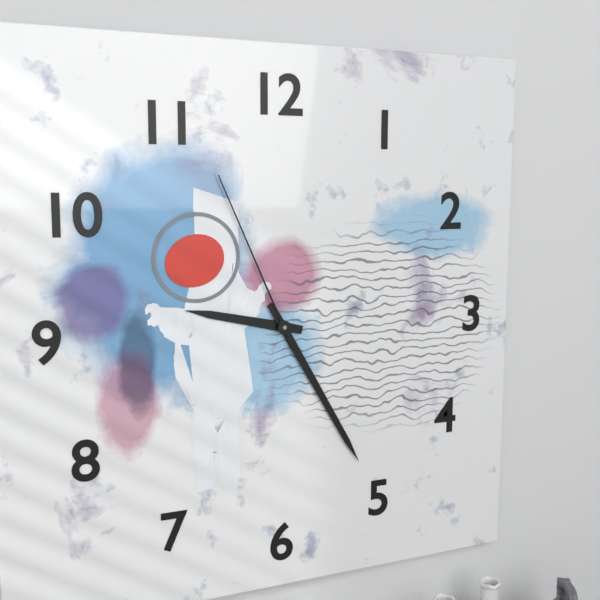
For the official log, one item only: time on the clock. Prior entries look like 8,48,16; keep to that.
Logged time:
9,25,56
